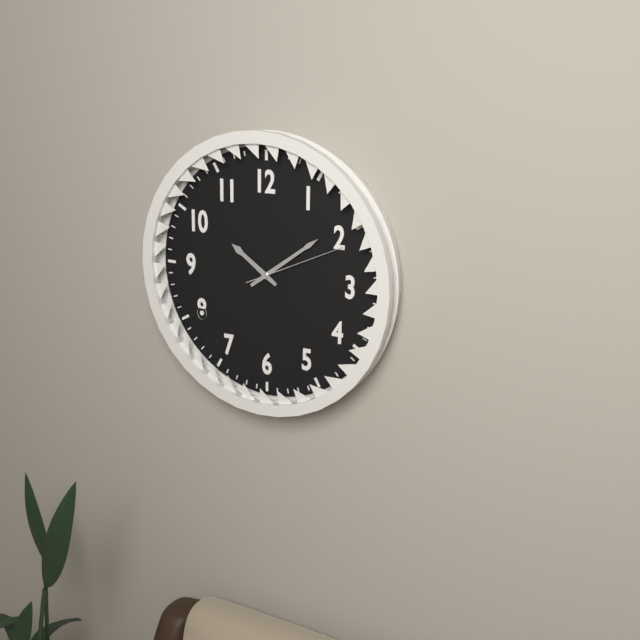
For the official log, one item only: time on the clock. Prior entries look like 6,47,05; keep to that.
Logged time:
10,09,11
